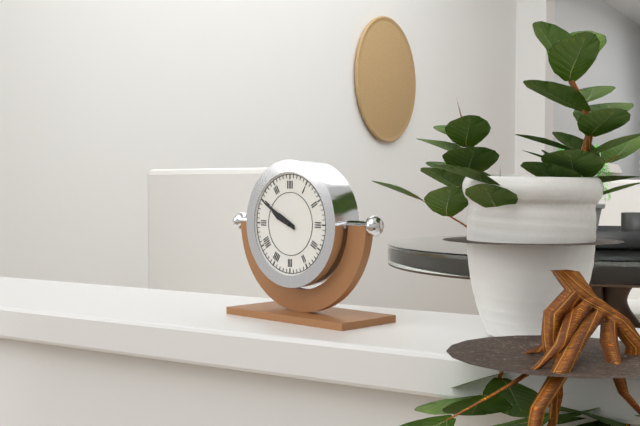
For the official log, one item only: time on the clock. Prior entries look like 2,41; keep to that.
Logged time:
9,50
